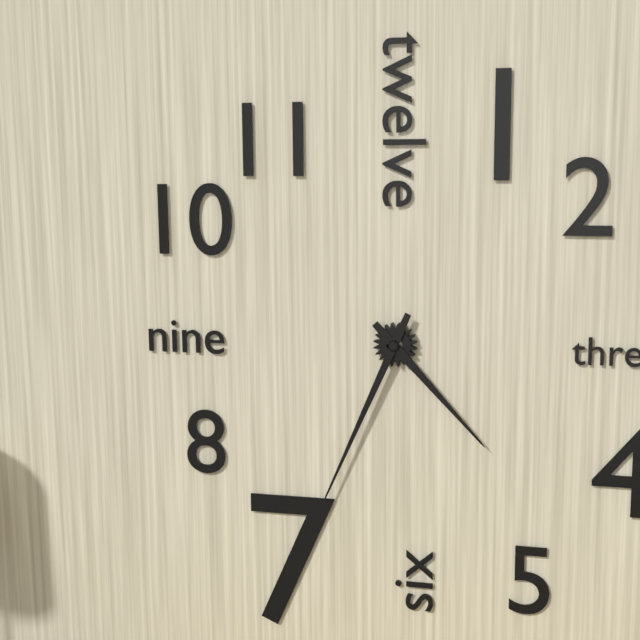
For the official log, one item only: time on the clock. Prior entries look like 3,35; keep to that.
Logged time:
4,34
